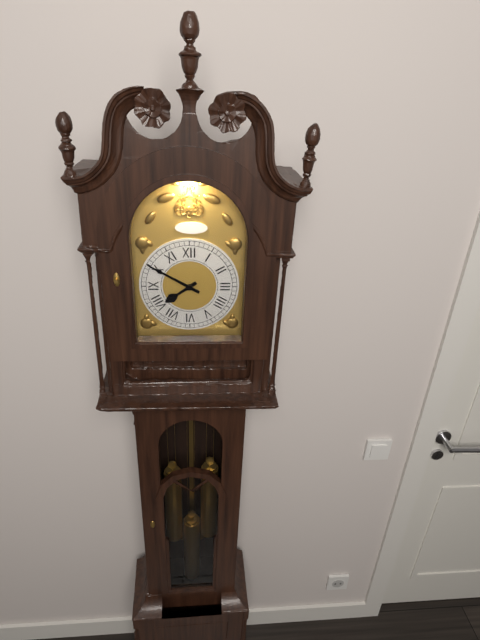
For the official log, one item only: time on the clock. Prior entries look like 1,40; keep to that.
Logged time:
7,50
